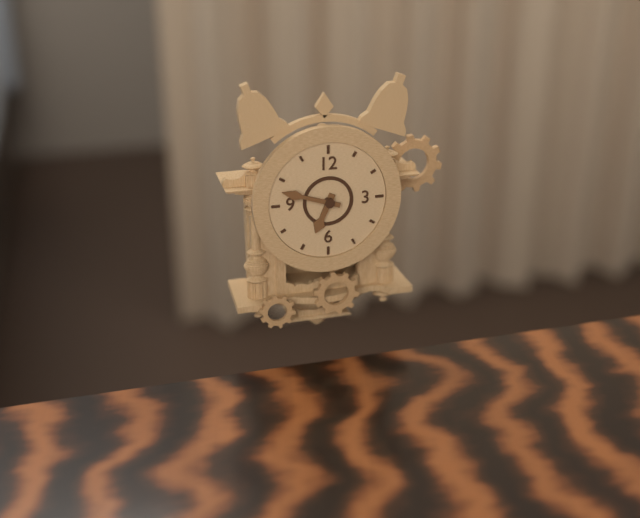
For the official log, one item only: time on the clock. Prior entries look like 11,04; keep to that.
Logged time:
6,48
